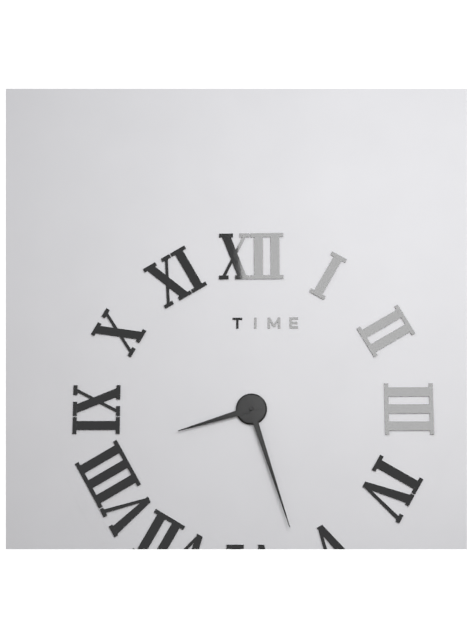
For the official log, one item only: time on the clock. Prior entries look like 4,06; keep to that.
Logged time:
8,27
